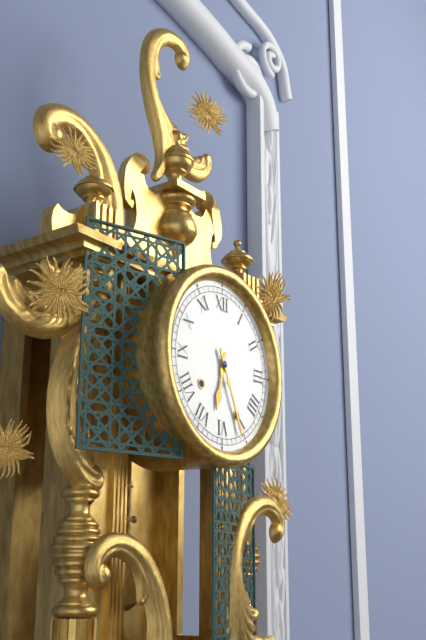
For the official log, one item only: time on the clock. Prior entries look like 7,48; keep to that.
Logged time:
6,26
